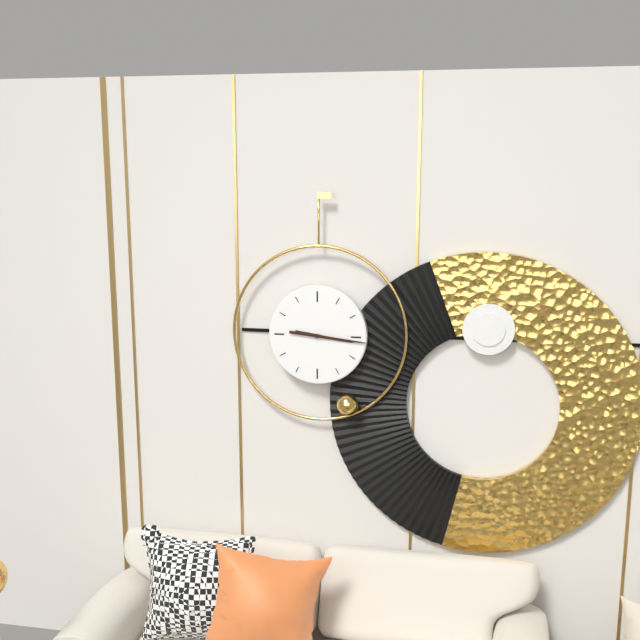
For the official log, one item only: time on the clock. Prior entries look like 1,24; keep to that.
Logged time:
3,16
